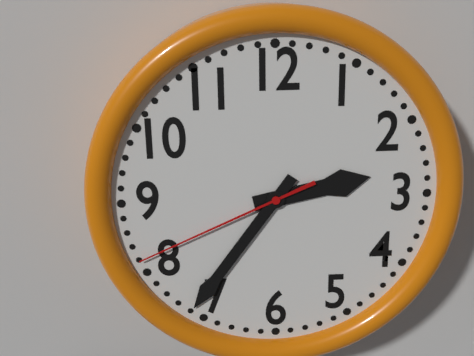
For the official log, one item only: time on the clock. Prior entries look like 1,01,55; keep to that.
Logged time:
2,36,41
